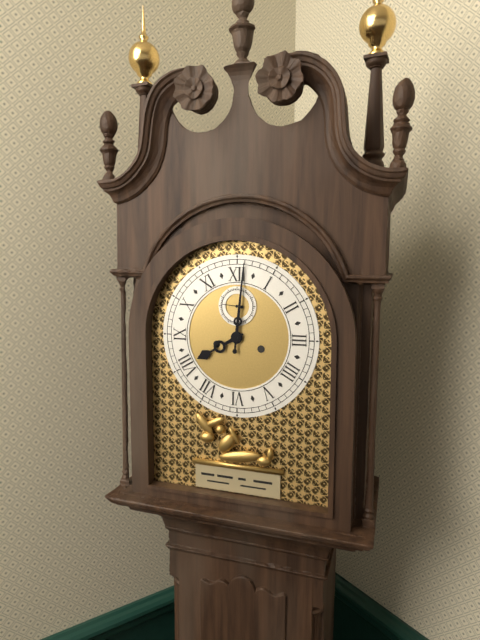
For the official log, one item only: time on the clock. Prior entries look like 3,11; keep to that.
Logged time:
8,01
